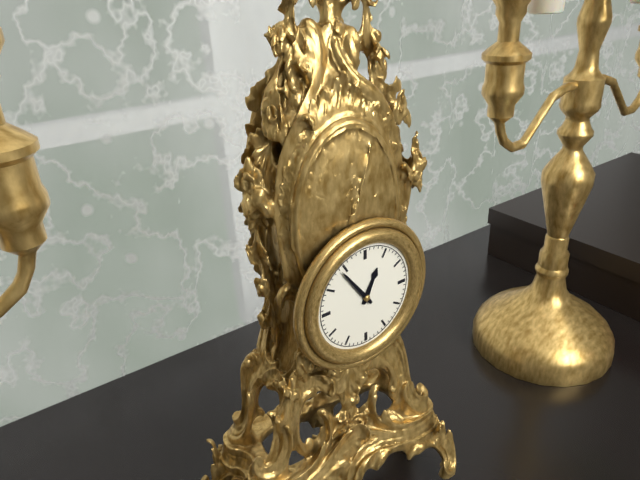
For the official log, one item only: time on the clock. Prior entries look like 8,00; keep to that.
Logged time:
12,54
